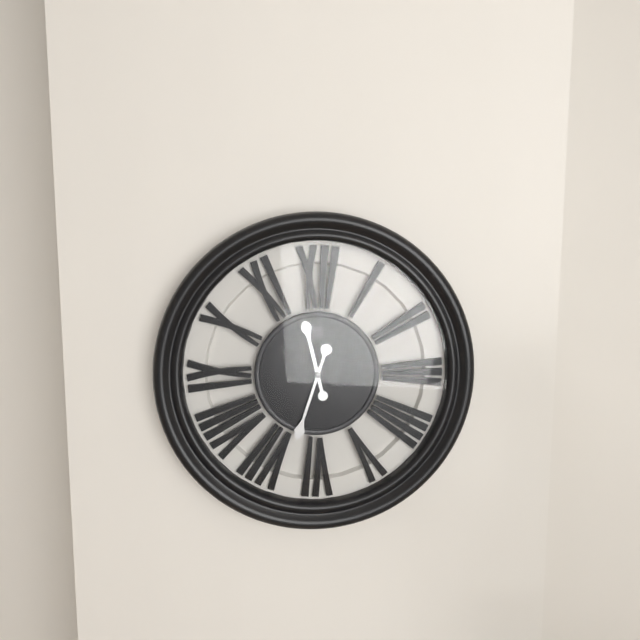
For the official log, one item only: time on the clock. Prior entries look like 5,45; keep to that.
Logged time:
11,33
